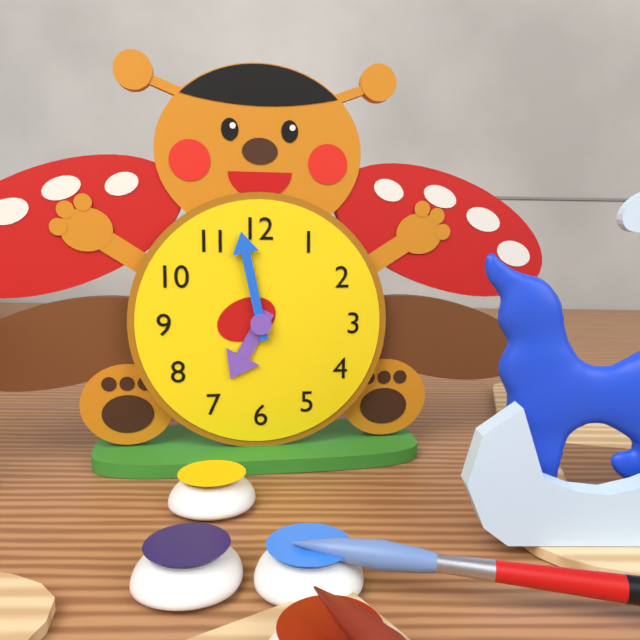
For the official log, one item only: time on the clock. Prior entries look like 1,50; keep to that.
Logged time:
6,58
